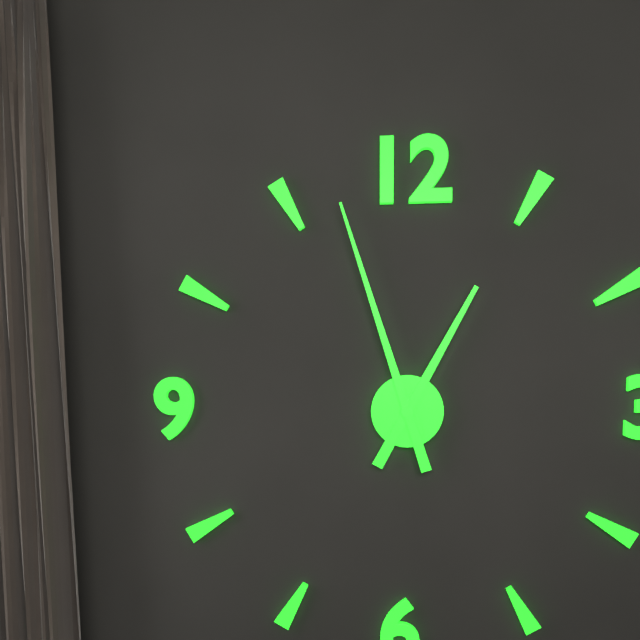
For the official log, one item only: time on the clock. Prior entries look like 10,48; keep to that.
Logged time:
12,57
